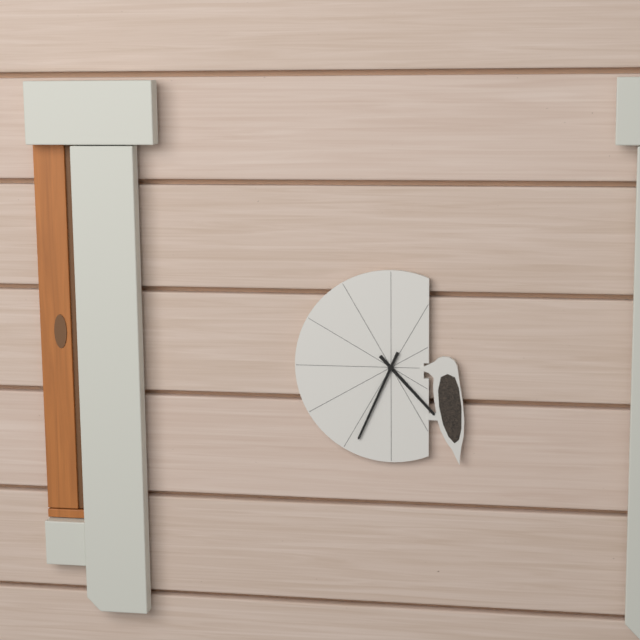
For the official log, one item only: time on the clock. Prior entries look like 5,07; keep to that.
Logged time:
4,34
